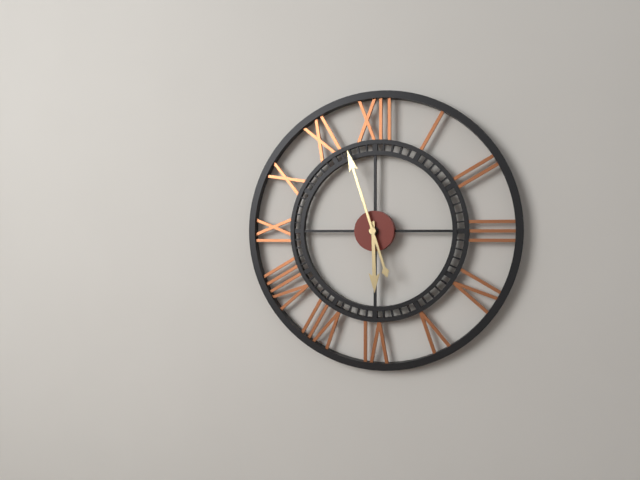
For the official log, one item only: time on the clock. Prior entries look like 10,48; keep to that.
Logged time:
5,57
